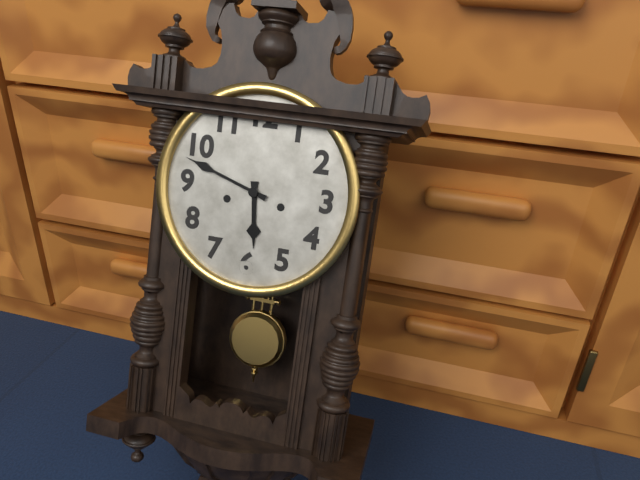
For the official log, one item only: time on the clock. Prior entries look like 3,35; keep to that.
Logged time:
5,48
